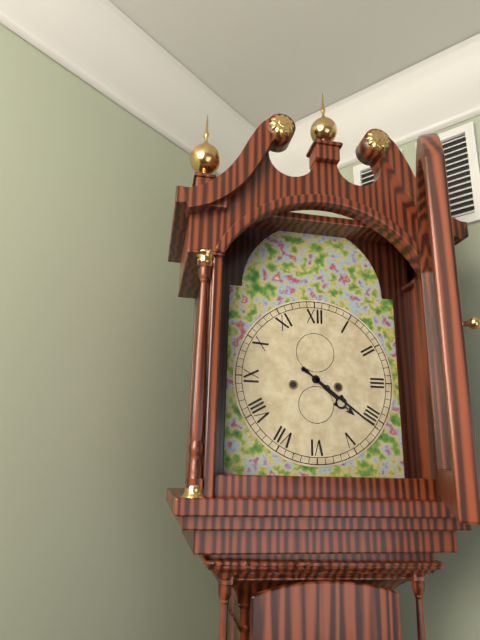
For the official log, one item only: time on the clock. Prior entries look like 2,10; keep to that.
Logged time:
4,21
